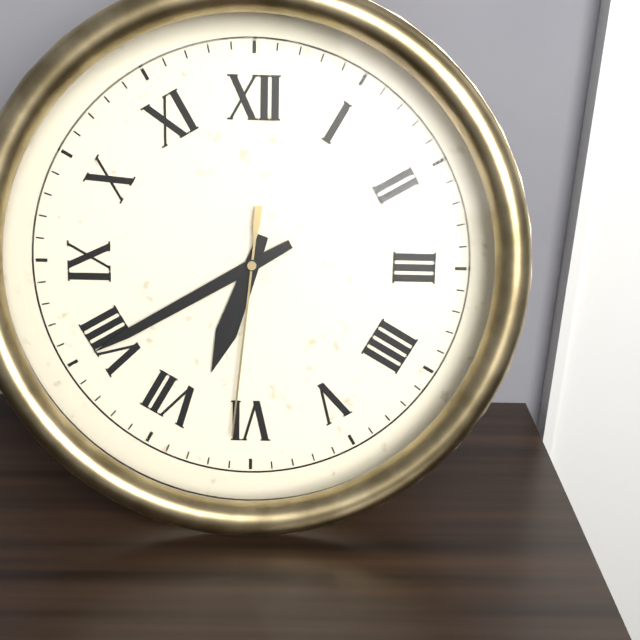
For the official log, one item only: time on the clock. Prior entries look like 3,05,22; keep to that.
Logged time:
6,40,31
